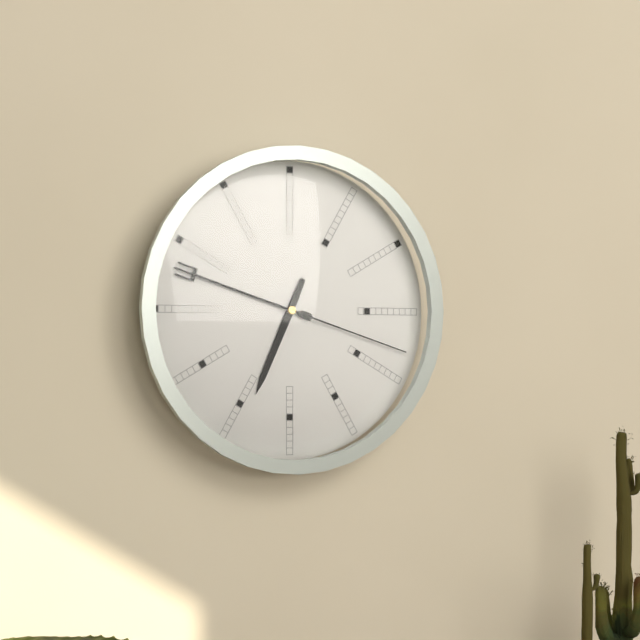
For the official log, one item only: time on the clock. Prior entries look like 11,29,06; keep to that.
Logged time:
6,48,18
